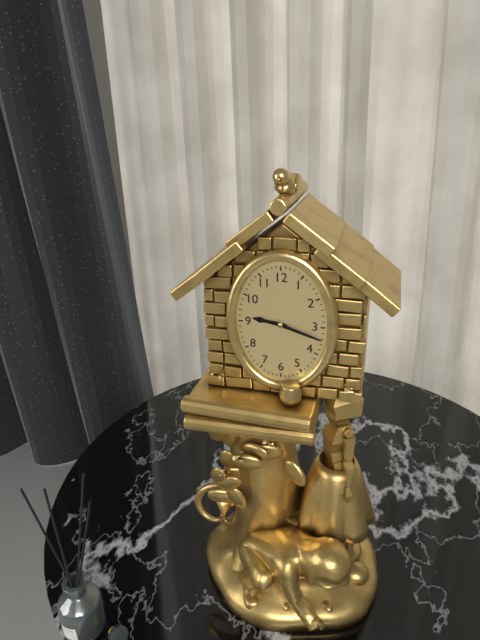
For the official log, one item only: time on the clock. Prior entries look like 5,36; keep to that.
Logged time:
9,18
